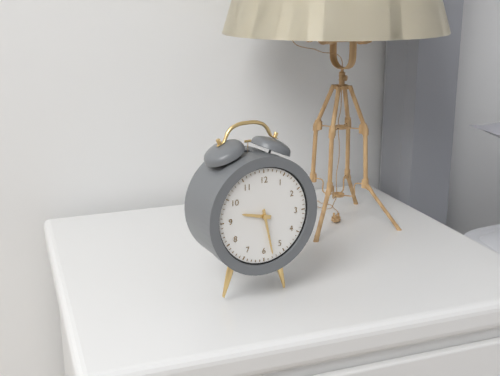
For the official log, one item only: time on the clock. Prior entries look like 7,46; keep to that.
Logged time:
9,28
